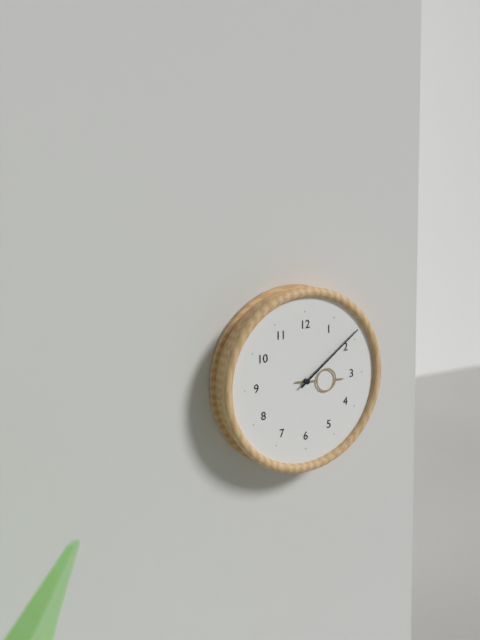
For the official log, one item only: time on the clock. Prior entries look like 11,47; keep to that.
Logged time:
3,09
